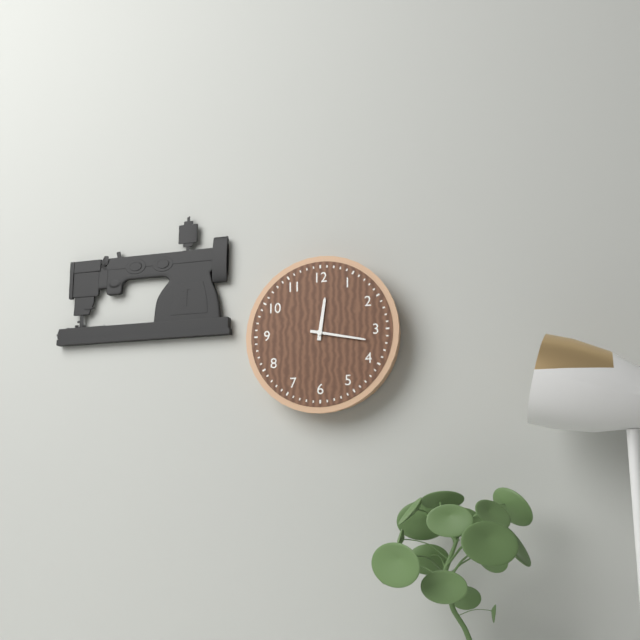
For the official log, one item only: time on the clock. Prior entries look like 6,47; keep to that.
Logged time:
12,17
